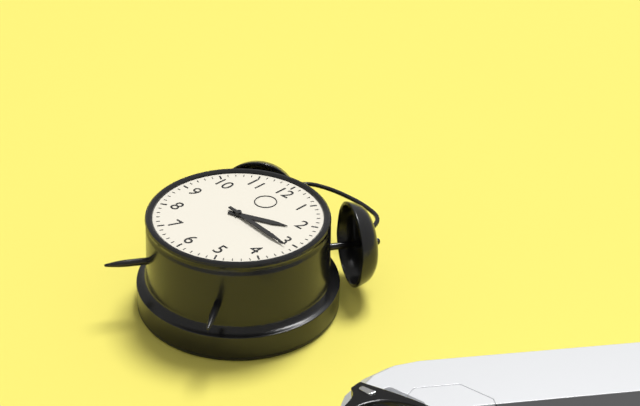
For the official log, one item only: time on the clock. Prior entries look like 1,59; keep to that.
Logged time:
2,16
